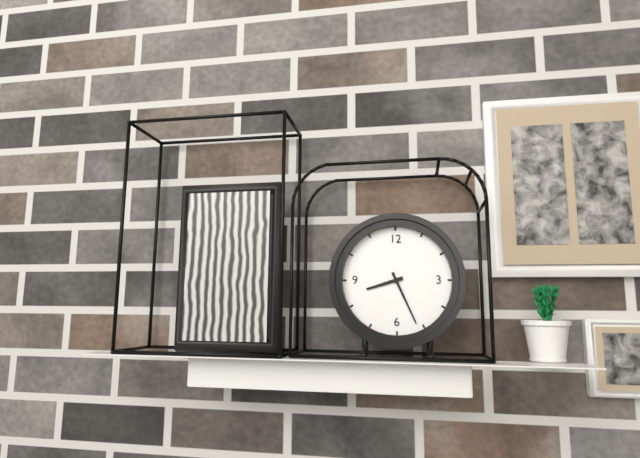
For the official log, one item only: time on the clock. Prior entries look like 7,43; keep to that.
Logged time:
8,26
